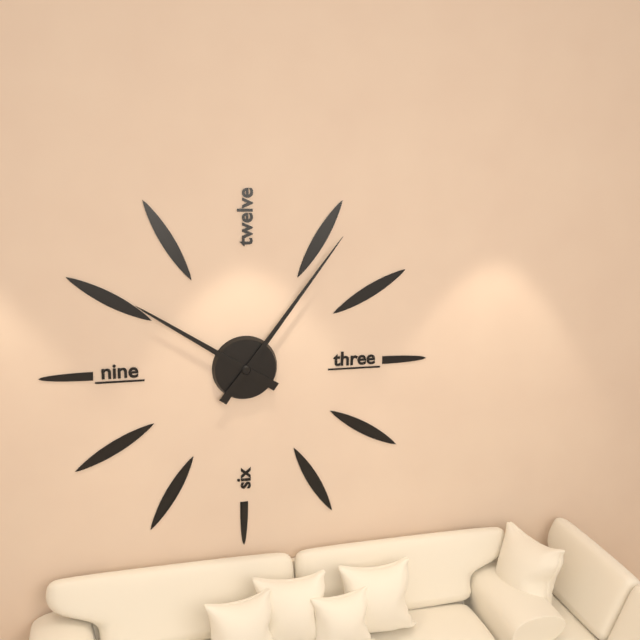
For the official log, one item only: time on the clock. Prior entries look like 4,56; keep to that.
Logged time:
10,06
